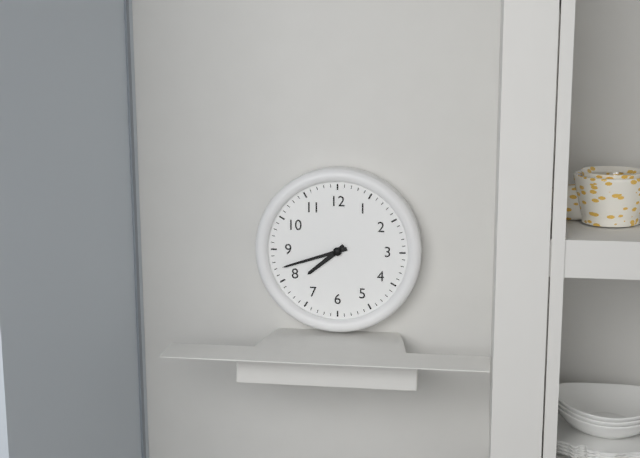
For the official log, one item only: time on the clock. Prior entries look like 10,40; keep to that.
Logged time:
7,42
